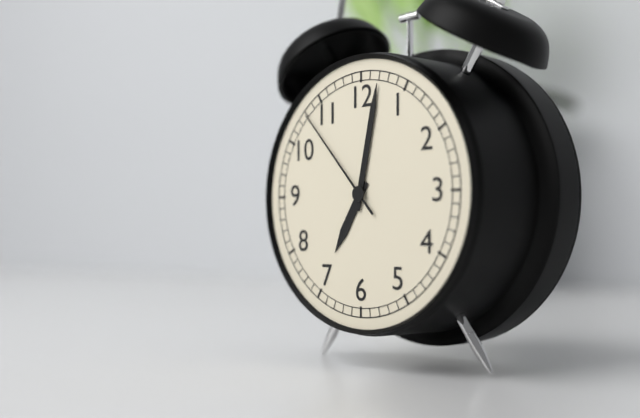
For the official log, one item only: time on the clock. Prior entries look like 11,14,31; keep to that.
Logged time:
7,02,53
